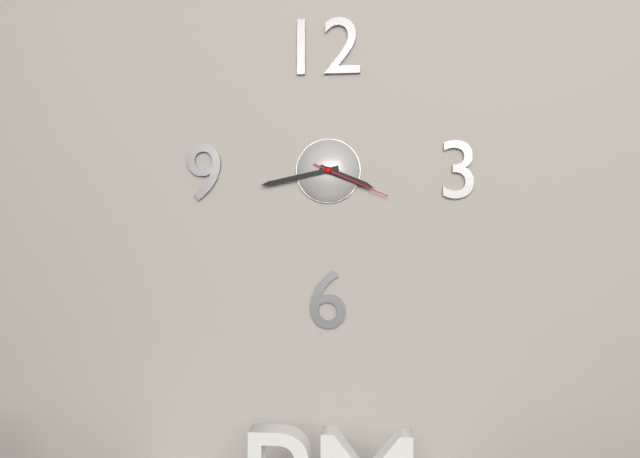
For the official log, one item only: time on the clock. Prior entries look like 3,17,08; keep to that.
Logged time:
3,43,19
